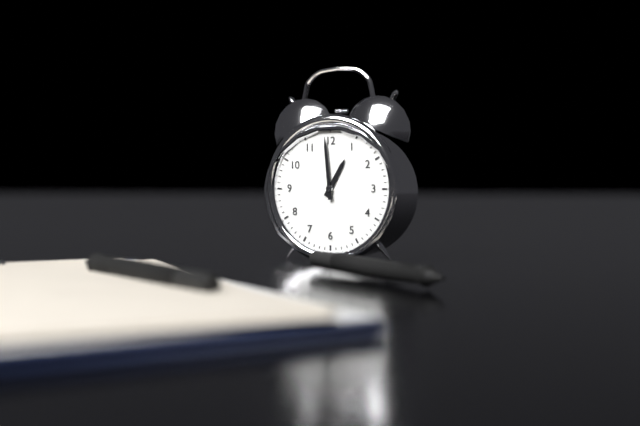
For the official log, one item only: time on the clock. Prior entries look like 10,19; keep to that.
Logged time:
12,59
